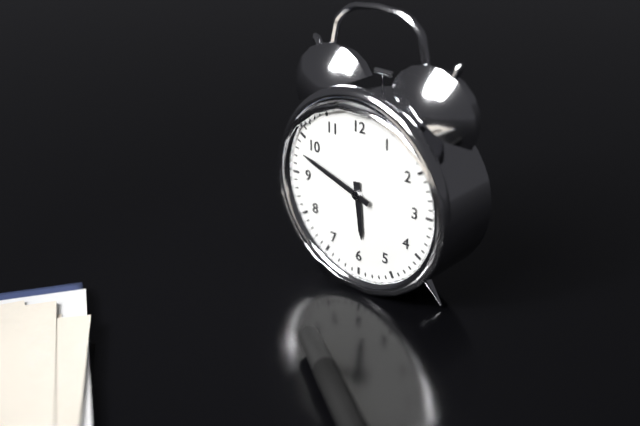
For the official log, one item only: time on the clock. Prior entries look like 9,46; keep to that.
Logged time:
5,48
